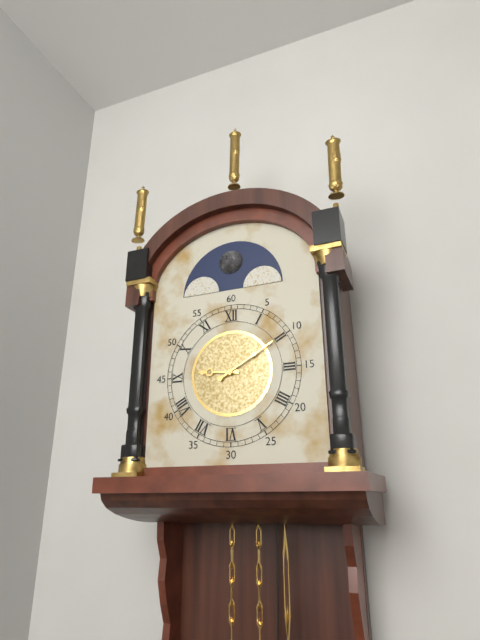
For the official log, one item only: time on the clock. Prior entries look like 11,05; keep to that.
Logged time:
9,10
